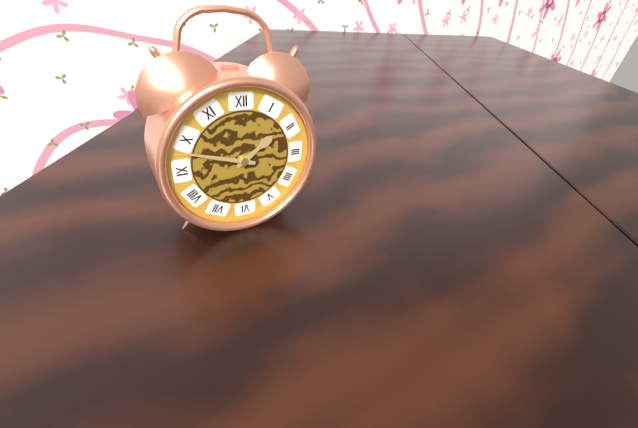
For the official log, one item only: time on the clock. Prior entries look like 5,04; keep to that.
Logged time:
1,48
